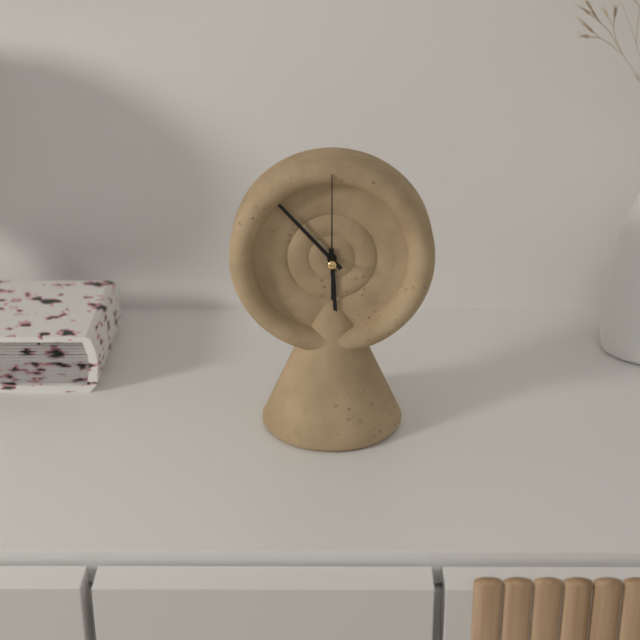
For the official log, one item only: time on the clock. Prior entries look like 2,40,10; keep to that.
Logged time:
5,53,00
